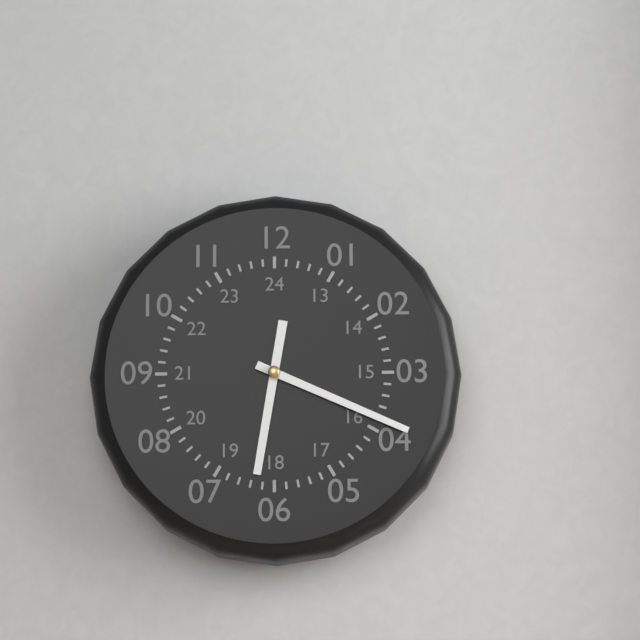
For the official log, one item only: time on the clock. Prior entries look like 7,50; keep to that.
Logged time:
6,19
